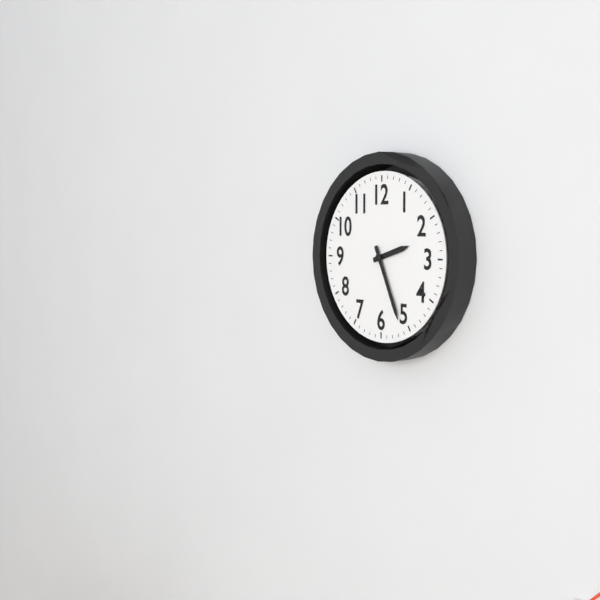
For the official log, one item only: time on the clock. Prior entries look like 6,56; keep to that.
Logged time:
2,26
